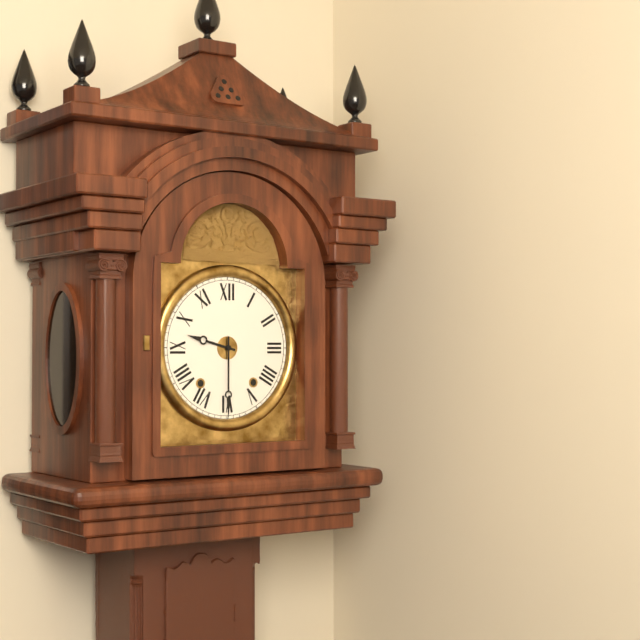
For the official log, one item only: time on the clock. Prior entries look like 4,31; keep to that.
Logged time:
9,30
